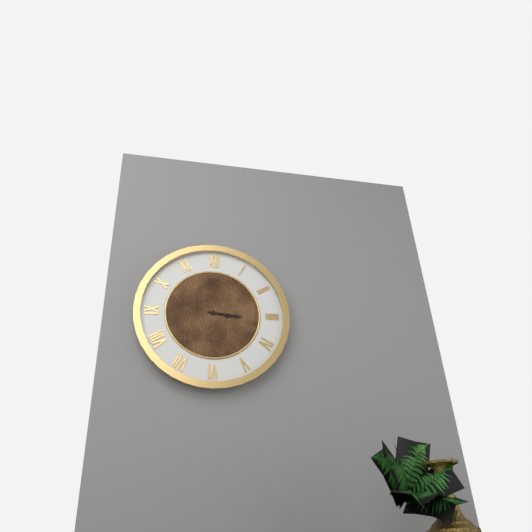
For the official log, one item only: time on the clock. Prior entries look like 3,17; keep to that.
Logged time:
3,16
